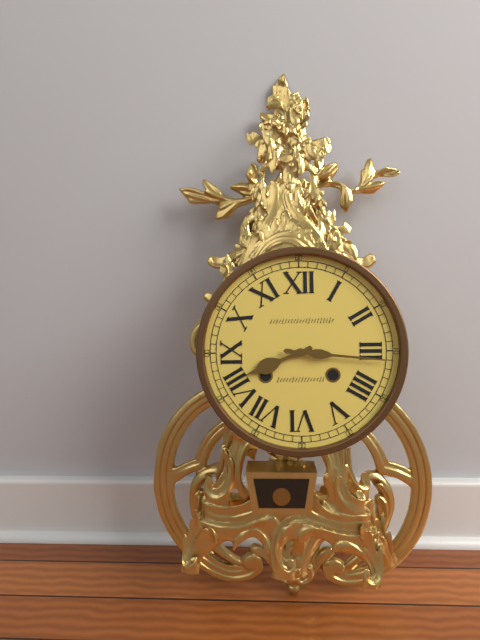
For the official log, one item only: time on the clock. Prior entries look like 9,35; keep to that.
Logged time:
8,16
